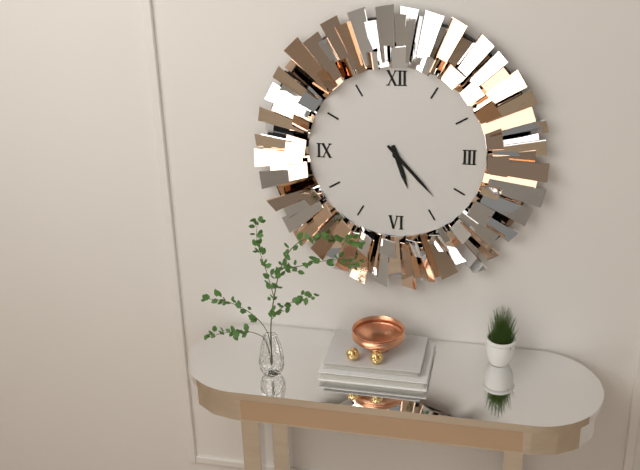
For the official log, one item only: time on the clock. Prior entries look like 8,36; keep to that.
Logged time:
5,23
